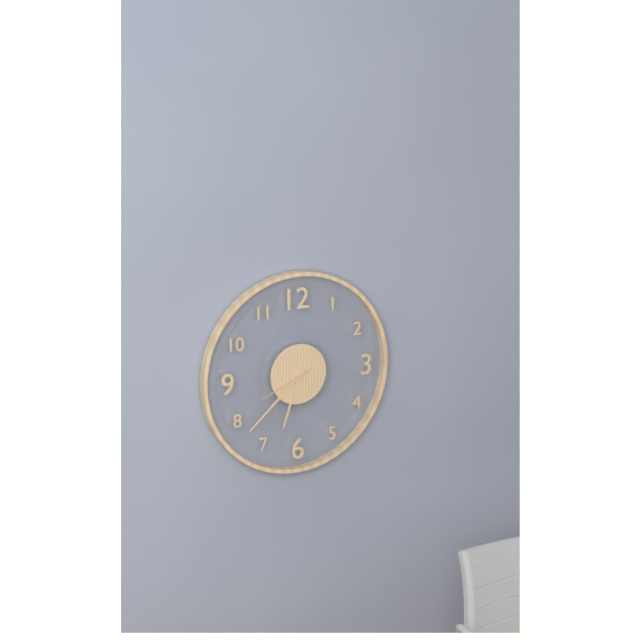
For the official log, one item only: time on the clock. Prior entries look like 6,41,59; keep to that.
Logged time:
6,38,41
